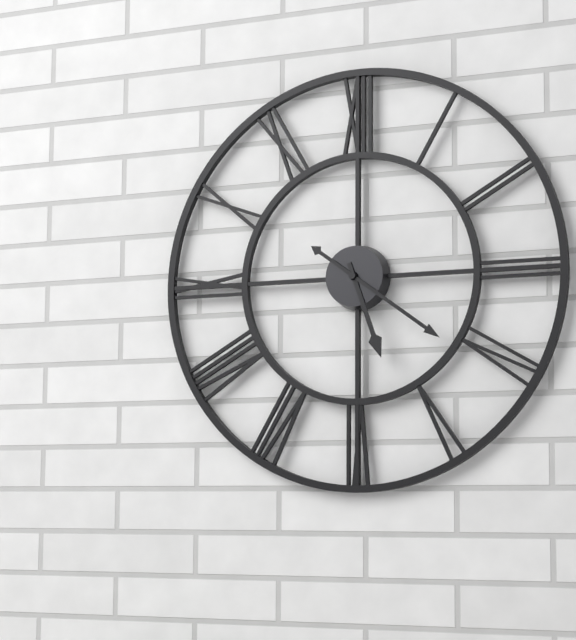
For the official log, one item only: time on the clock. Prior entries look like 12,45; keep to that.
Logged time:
5,21
